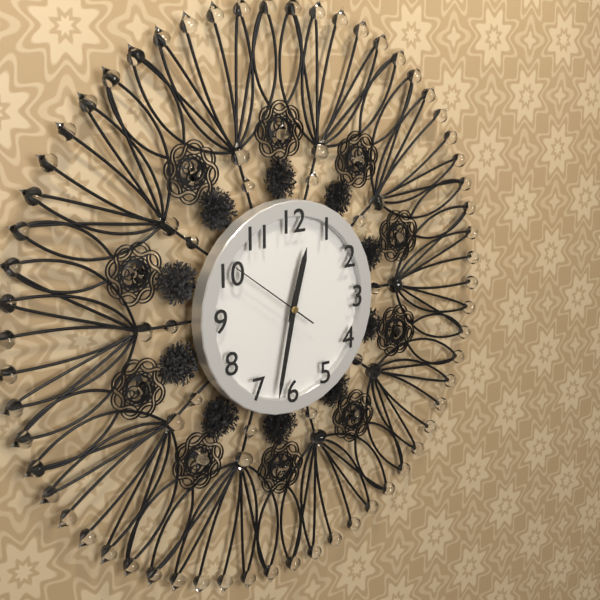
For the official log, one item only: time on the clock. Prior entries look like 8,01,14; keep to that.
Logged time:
12,32,51
